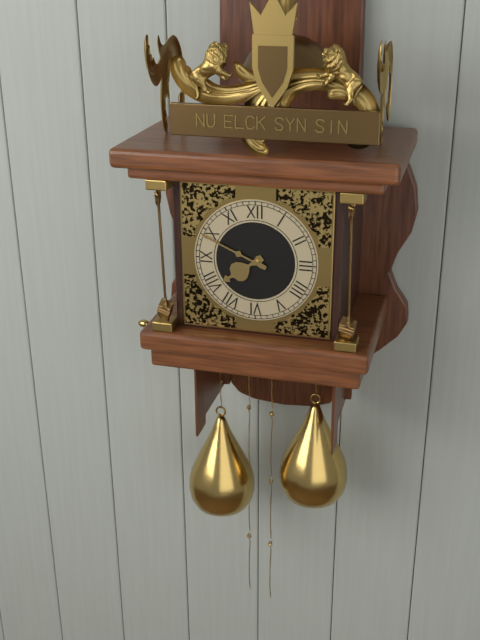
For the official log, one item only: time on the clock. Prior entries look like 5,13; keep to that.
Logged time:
7,49
